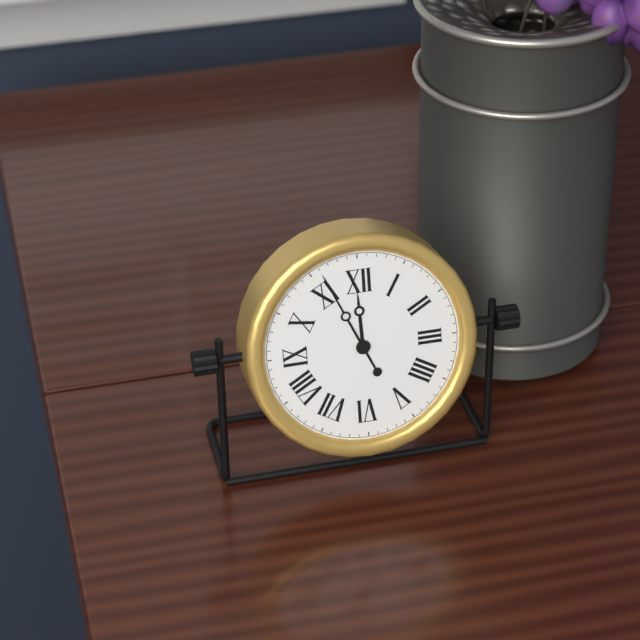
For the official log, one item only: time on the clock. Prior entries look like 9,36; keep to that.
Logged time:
11,56
